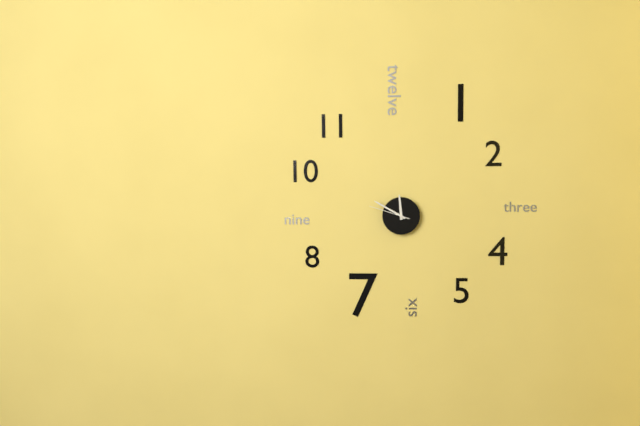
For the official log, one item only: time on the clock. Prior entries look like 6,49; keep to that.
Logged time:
11,50
